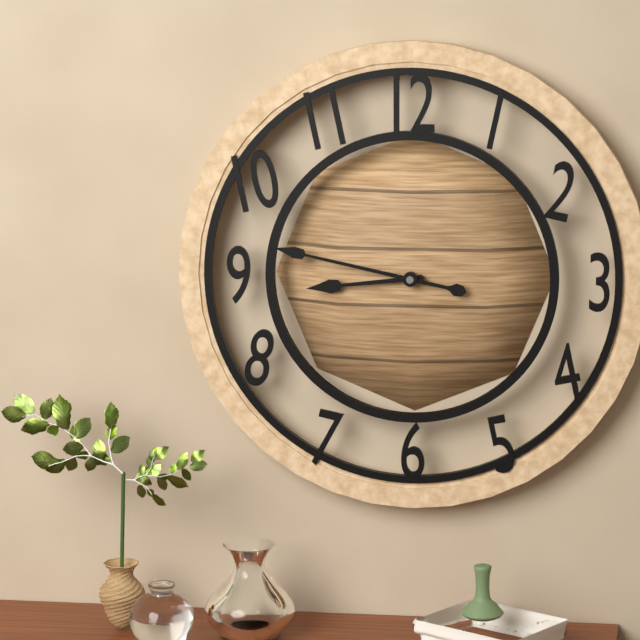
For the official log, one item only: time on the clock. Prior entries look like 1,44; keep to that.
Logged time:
8,47
